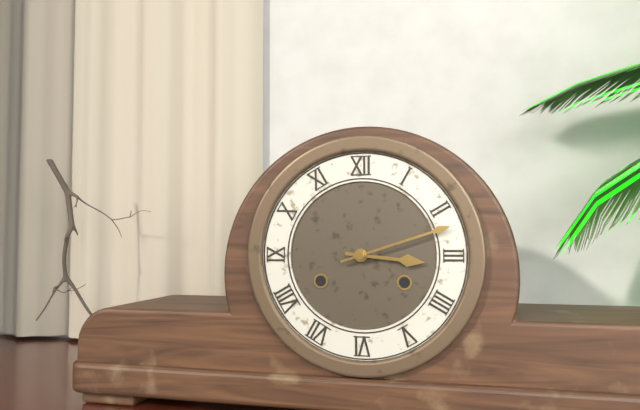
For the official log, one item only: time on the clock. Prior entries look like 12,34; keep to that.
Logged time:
3,12
